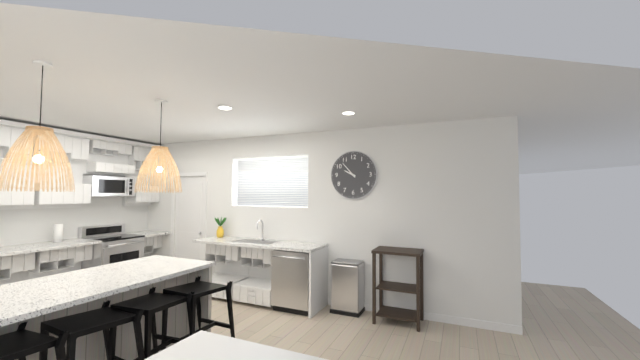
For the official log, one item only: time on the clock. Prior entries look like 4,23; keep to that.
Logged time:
9,53
